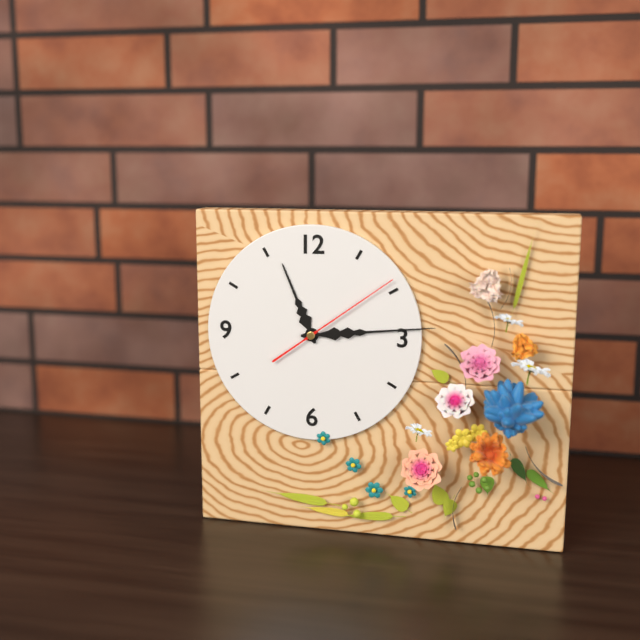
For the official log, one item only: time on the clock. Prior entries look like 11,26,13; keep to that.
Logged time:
11,14,09
